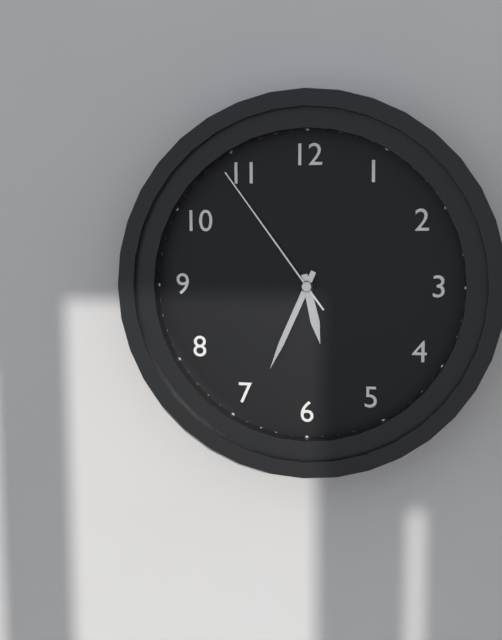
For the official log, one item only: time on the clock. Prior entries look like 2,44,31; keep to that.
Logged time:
5,34,54
